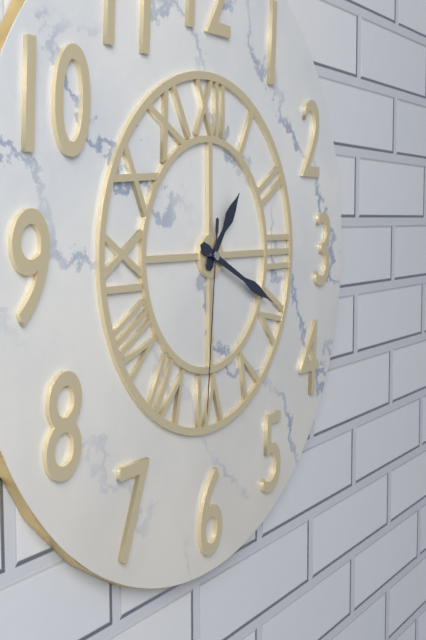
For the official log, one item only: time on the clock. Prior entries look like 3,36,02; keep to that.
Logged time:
1,19,31
